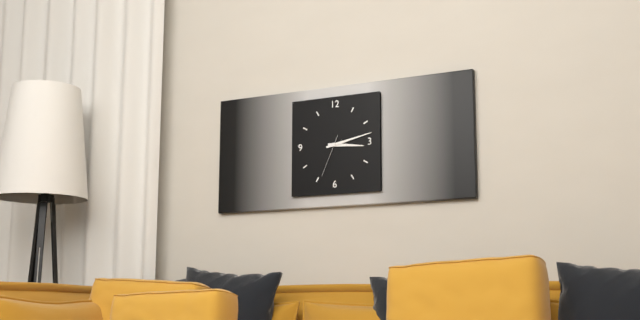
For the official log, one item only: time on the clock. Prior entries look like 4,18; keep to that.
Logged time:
3,13
